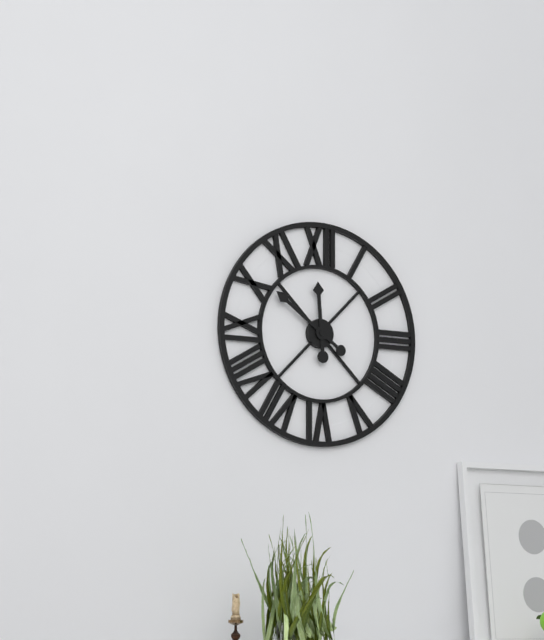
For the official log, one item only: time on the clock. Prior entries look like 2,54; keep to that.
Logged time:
11,51
